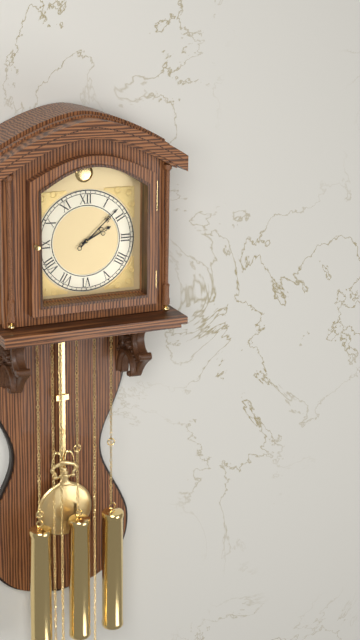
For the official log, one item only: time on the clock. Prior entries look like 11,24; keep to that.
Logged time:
2,08
